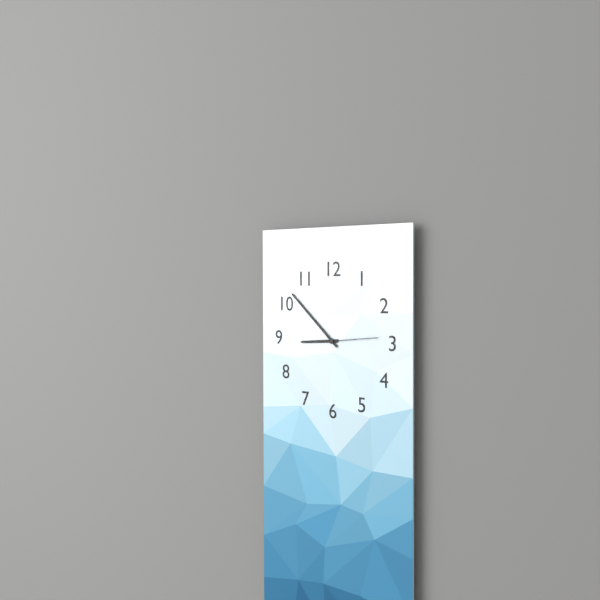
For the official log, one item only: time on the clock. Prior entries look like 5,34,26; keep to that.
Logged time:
8,52,14
